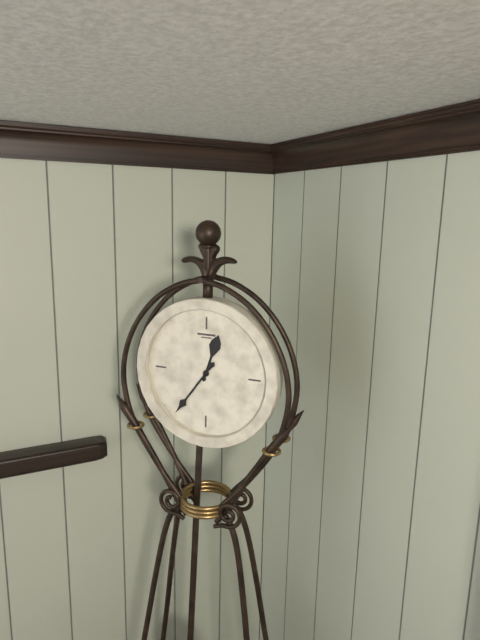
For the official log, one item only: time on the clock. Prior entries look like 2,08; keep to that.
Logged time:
12,36
